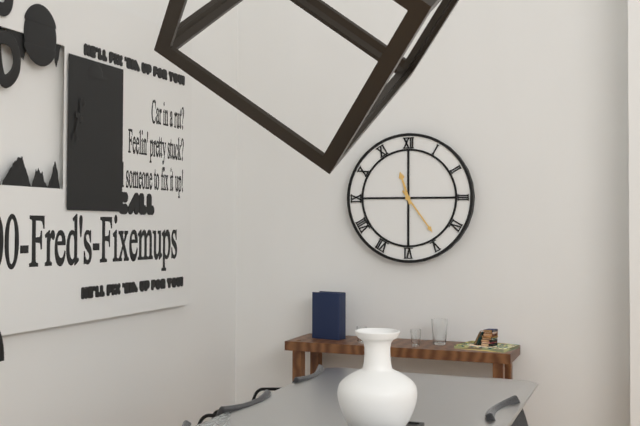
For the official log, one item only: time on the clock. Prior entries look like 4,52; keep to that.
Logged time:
11,24
